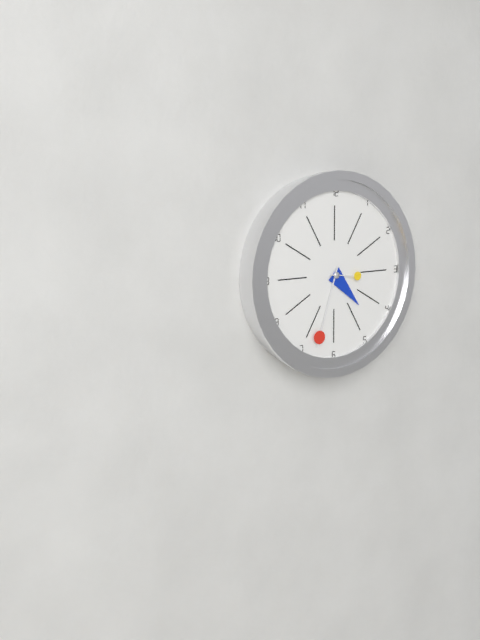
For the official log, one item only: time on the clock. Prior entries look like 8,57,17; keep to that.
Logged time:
4,33,16
